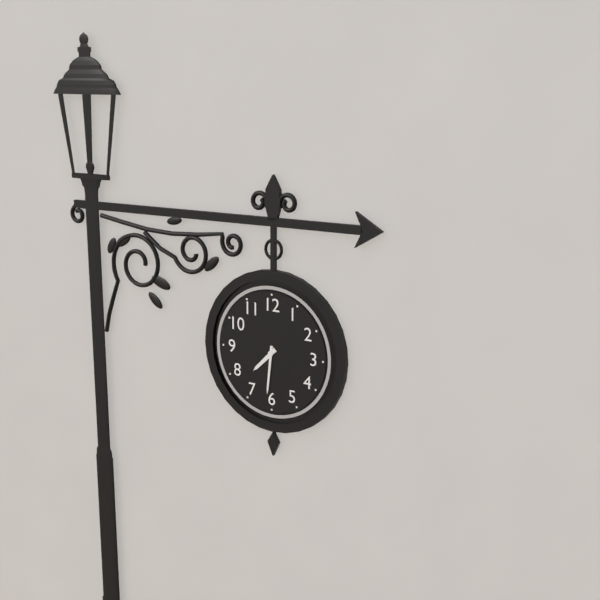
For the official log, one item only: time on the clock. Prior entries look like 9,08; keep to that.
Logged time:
7,31
